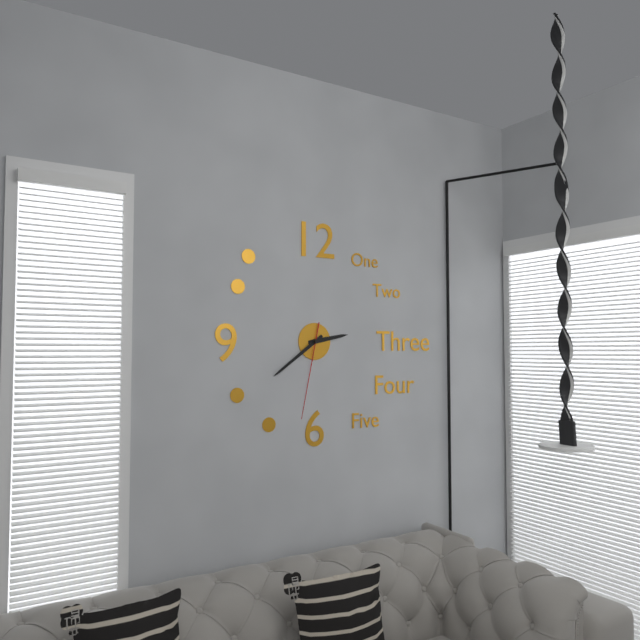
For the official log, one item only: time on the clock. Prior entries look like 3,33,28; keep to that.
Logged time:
2,39,32
